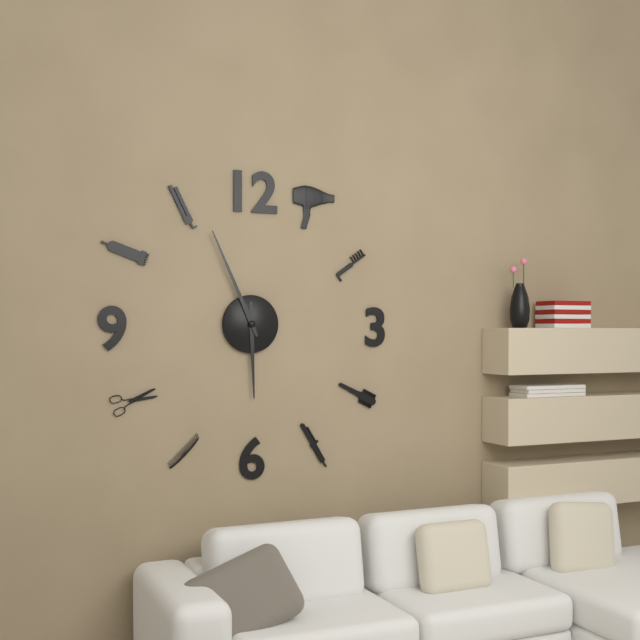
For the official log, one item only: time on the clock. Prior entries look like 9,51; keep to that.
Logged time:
5,56
